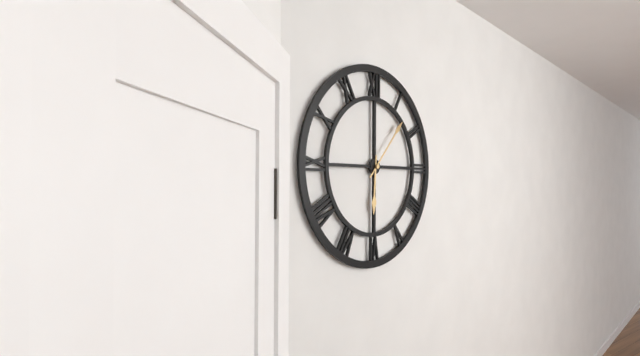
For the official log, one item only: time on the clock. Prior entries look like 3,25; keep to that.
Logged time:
6,07
